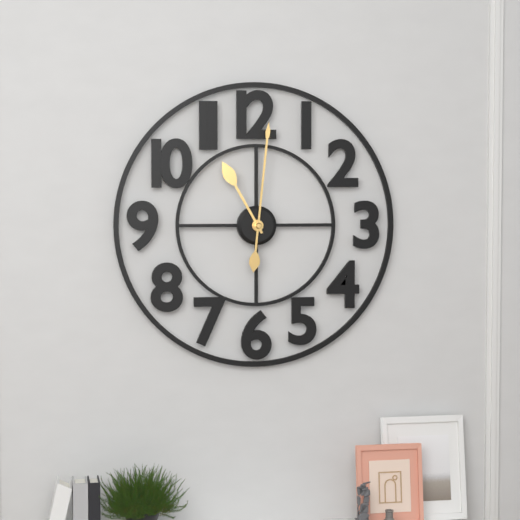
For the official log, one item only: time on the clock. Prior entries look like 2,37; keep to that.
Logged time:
11,01
